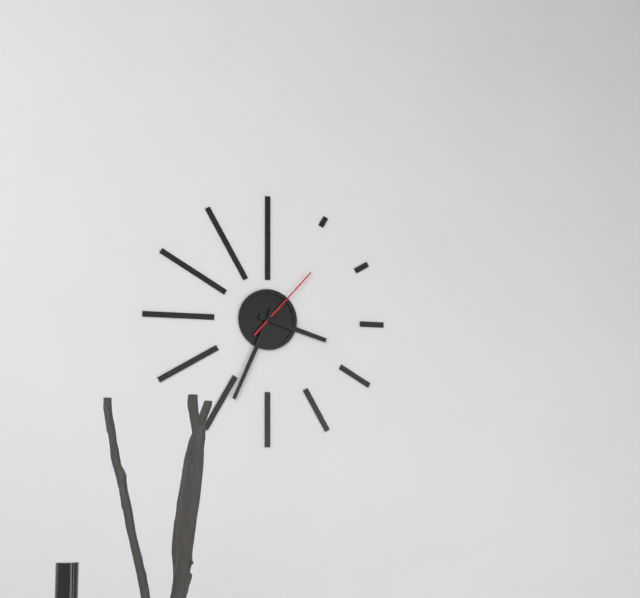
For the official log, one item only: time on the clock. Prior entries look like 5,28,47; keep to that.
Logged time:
3,34,07
